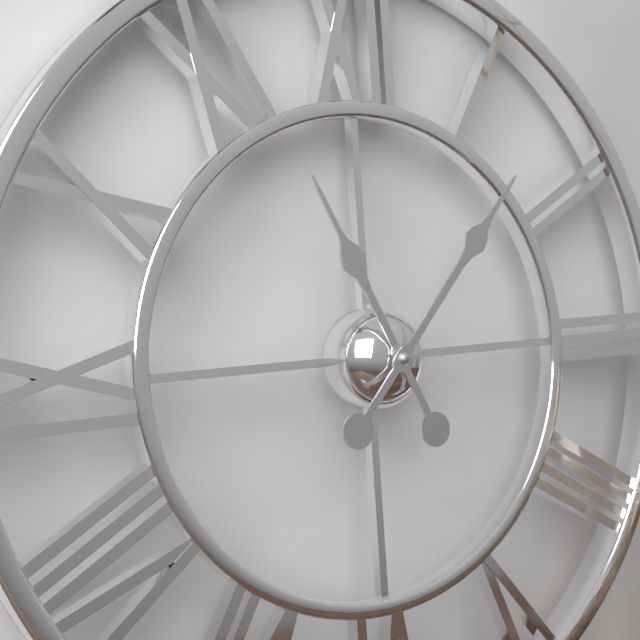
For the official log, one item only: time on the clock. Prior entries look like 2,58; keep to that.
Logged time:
11,07
